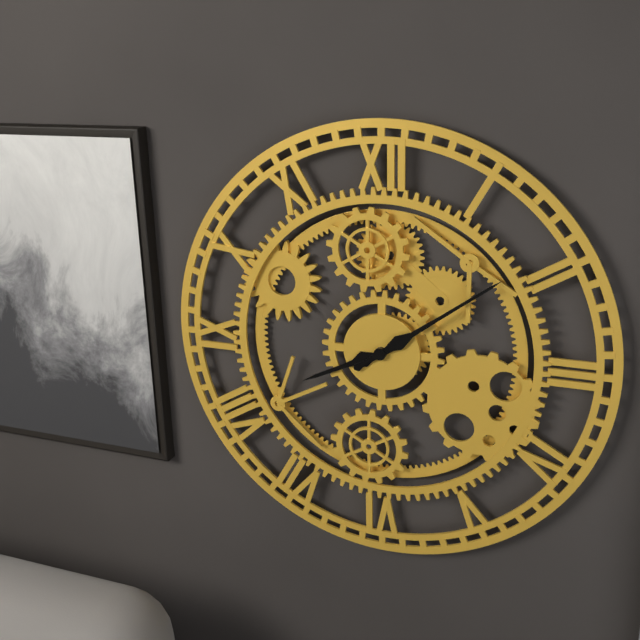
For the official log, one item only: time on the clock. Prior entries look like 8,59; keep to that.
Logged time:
8,09
